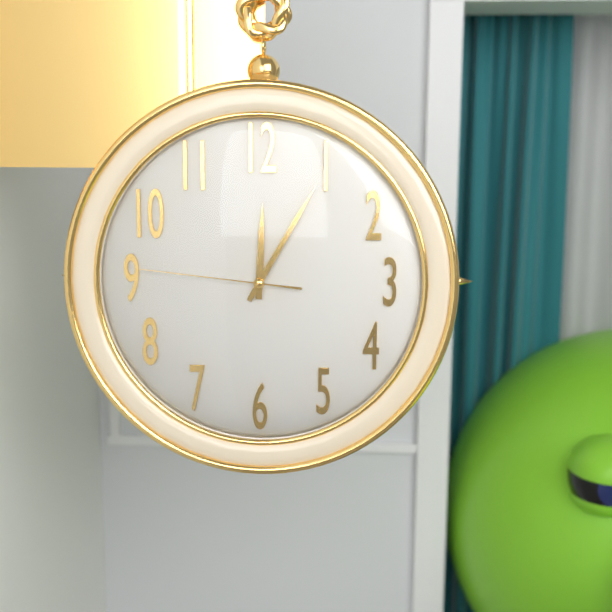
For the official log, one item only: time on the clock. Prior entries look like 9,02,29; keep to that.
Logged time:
12,05,46
